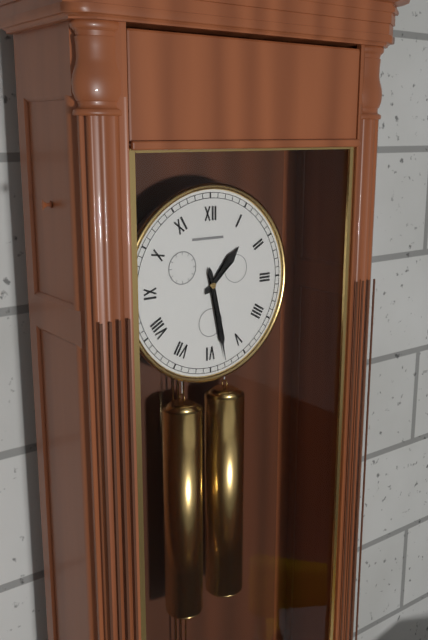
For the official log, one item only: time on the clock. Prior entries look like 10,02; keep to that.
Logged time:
1,28
